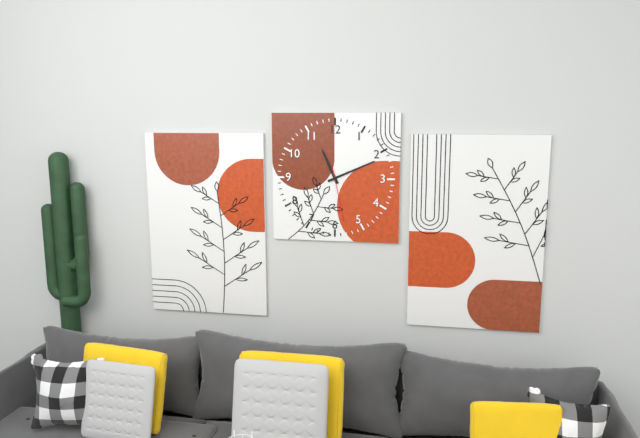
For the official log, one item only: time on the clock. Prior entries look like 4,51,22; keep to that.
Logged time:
11,11,28
